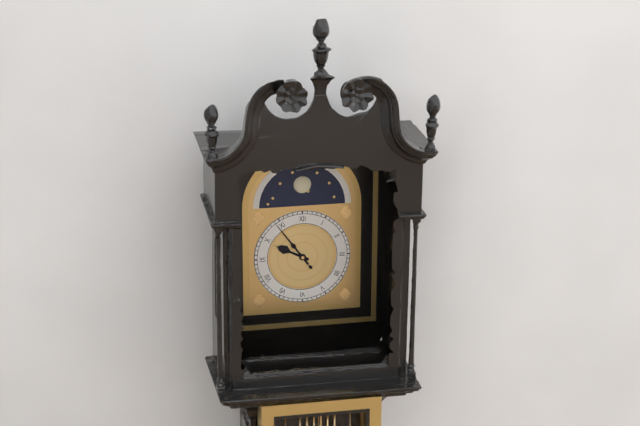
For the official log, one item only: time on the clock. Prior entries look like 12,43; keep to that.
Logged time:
9,54
